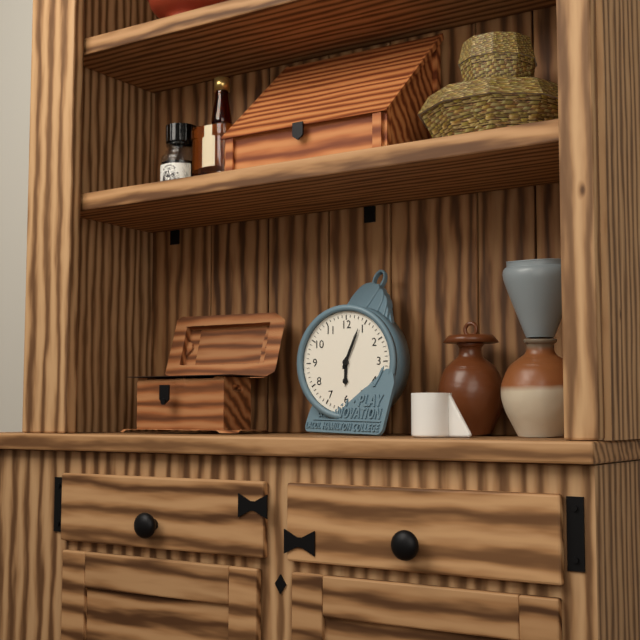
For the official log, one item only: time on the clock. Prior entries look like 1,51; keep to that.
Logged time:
6,04
